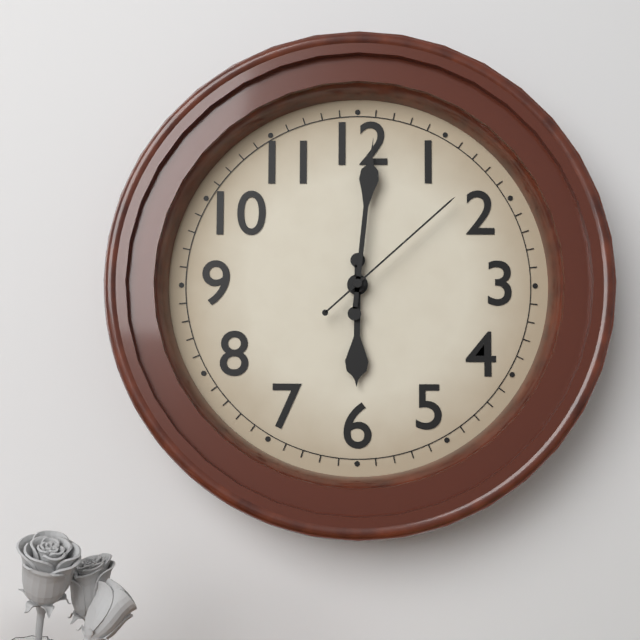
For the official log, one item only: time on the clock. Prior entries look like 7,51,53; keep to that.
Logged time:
6,01,08
